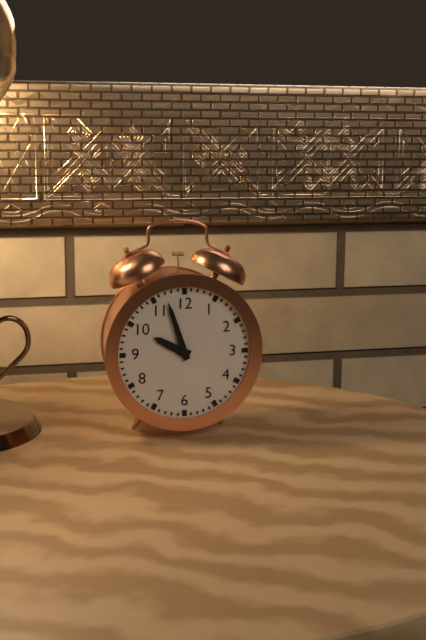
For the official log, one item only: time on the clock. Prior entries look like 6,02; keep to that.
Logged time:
9,57
